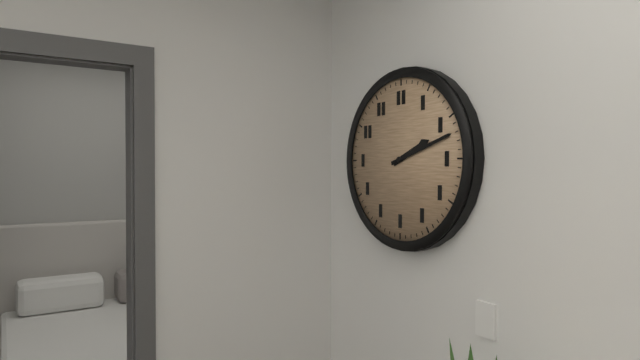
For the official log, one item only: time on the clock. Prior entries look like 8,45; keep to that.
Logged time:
2,12
